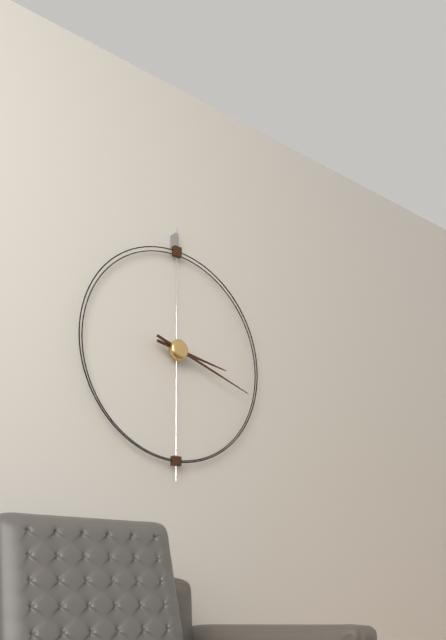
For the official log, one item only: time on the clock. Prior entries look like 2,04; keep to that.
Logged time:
3,18
